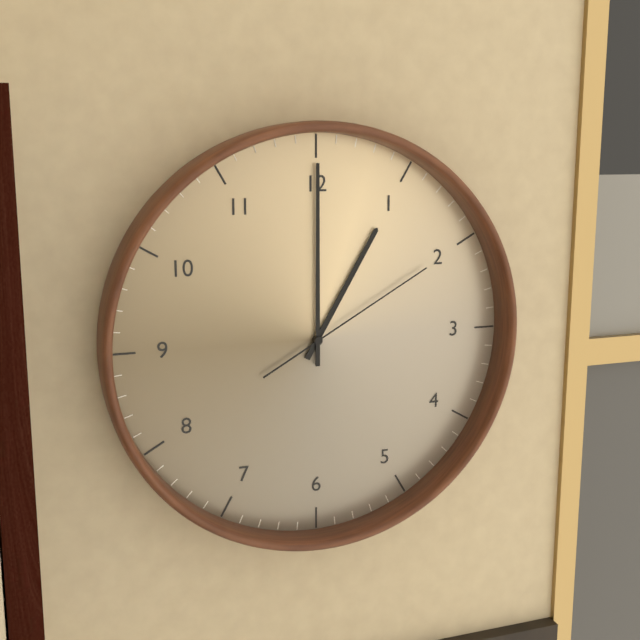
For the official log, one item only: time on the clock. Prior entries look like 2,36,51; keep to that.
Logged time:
1,00,10
